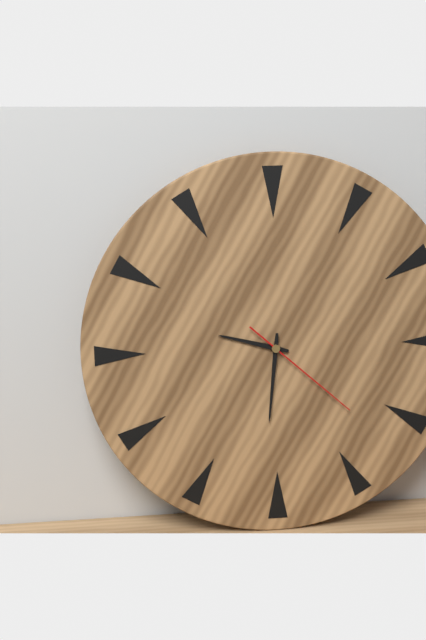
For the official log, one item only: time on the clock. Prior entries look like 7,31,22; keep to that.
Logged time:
9,31,22
